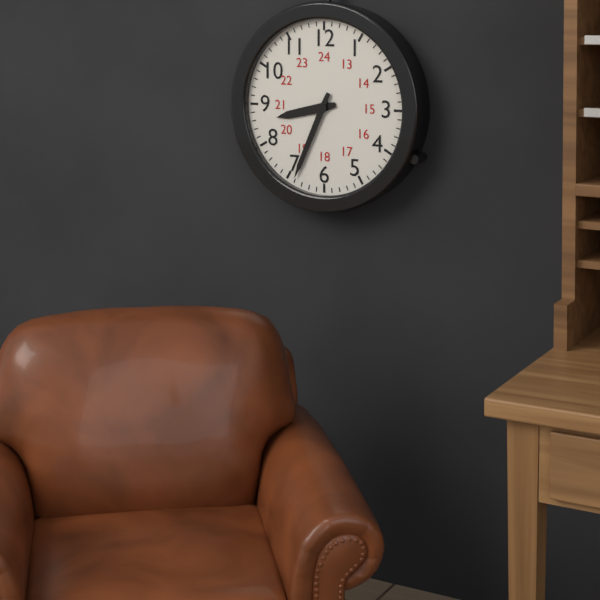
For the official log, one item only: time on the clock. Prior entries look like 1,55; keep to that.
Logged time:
8,34
